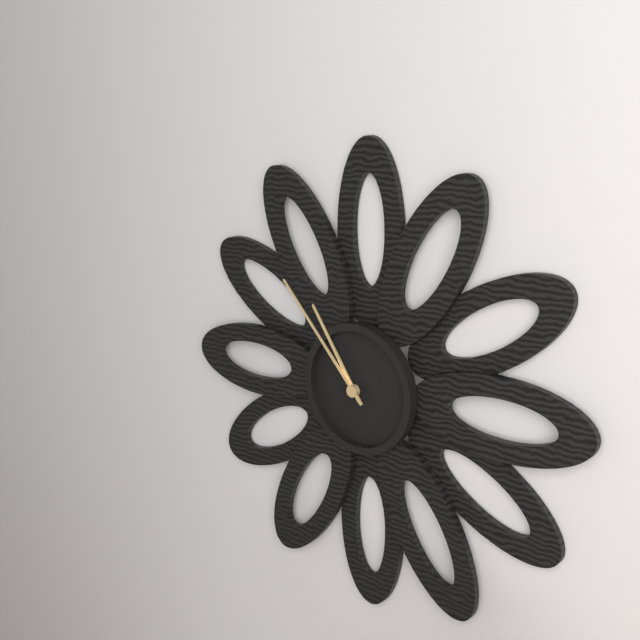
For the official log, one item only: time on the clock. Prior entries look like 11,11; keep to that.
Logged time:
10,53
